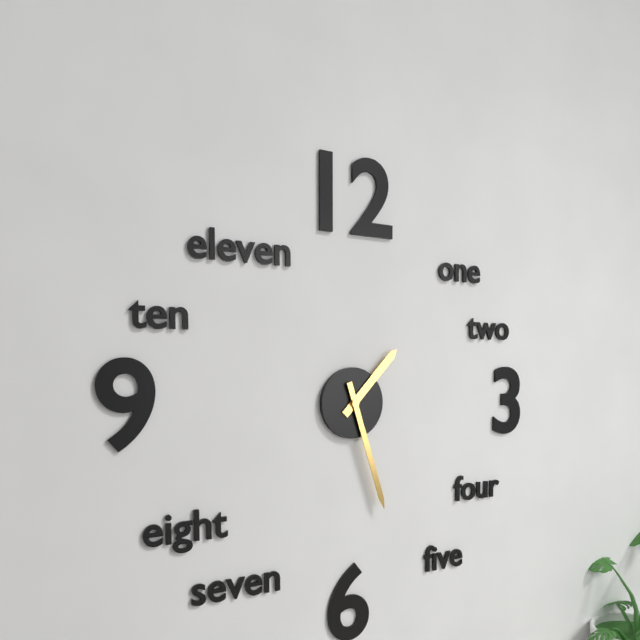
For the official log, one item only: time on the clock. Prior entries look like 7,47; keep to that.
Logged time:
1,27
